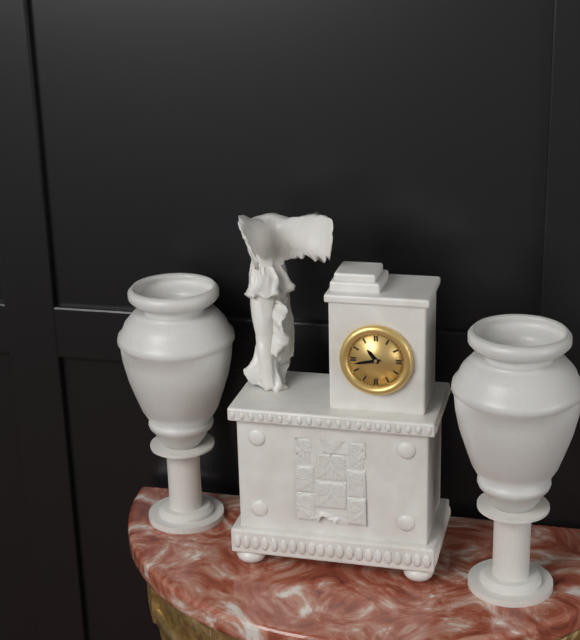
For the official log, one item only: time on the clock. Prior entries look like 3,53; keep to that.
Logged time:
10,43
